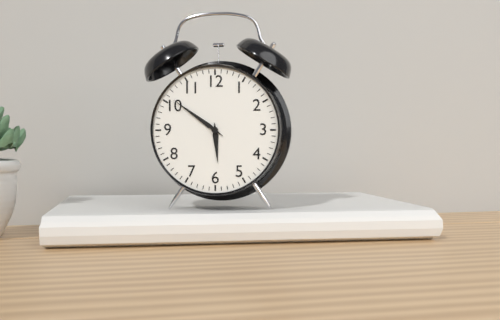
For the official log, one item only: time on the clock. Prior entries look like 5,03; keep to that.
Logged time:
5,51
